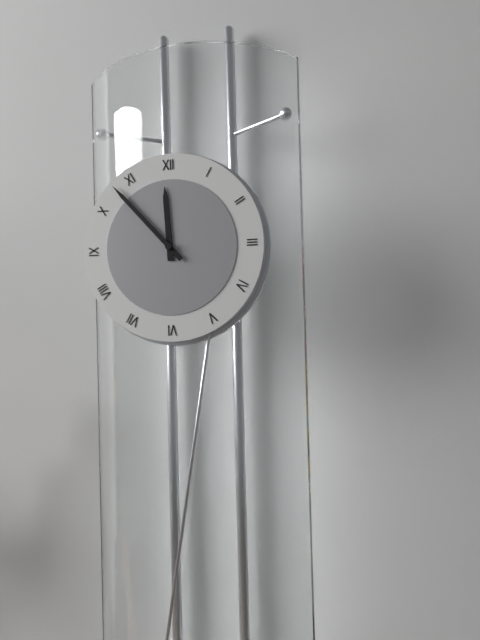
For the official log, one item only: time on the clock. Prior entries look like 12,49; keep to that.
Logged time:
11,53
